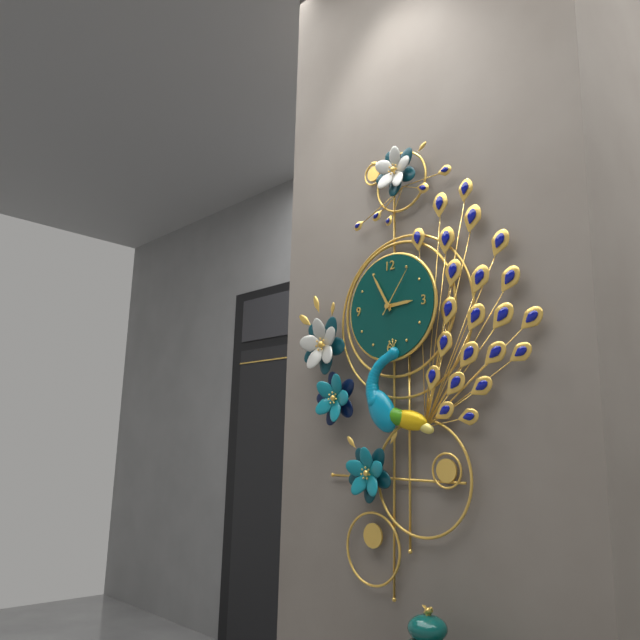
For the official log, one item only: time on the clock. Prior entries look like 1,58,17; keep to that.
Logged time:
2,55,06
